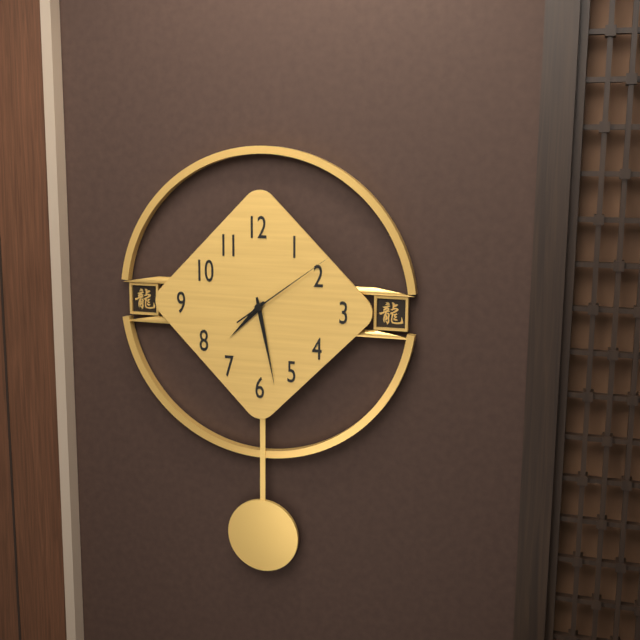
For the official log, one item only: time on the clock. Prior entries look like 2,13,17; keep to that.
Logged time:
7,28,09
